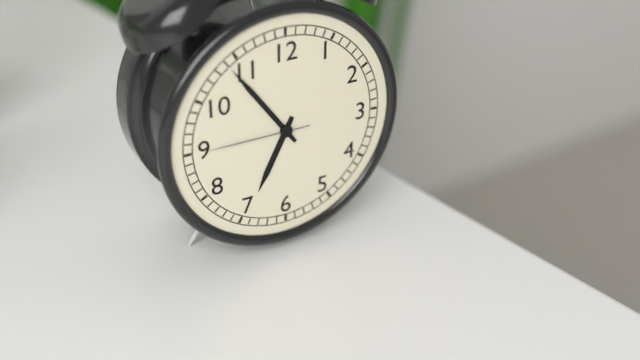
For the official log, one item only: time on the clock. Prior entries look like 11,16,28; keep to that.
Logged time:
6,54,45
